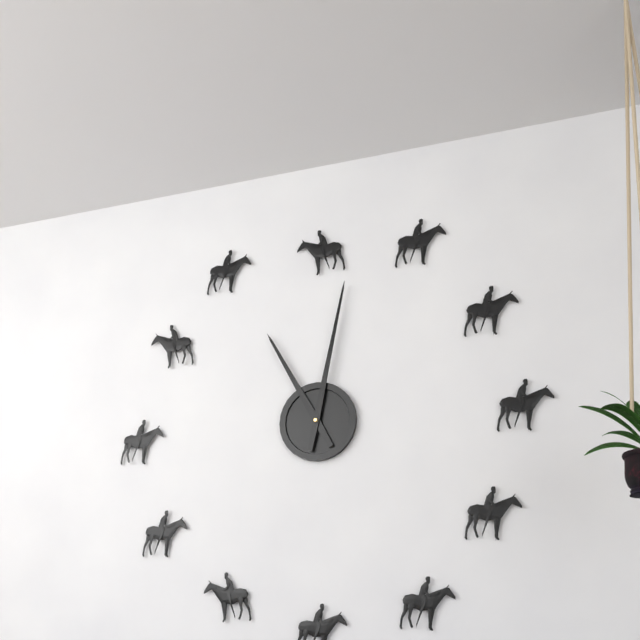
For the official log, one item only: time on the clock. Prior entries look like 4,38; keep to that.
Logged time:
11,02
